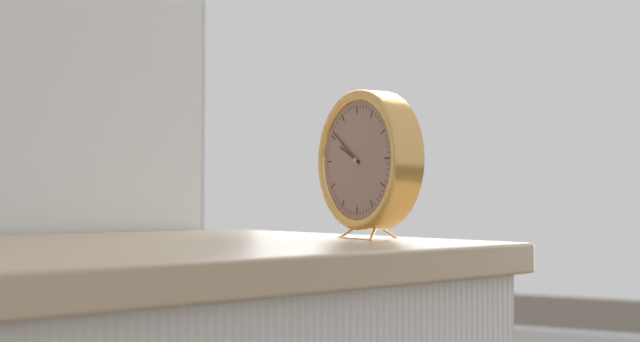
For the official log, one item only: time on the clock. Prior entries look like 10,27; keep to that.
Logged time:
9,51
